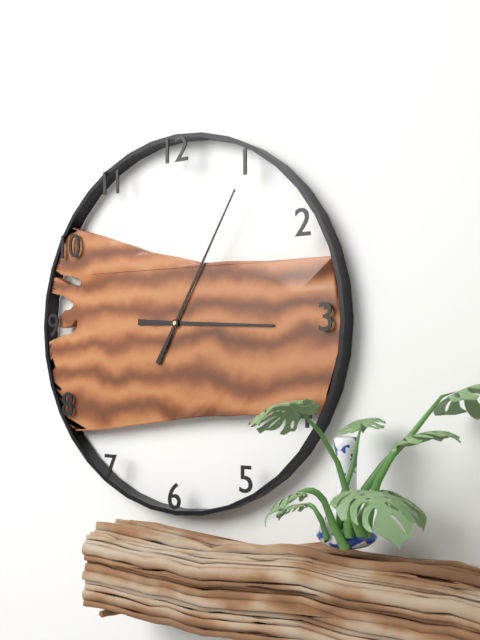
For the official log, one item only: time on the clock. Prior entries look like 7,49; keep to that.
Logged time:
3,05
